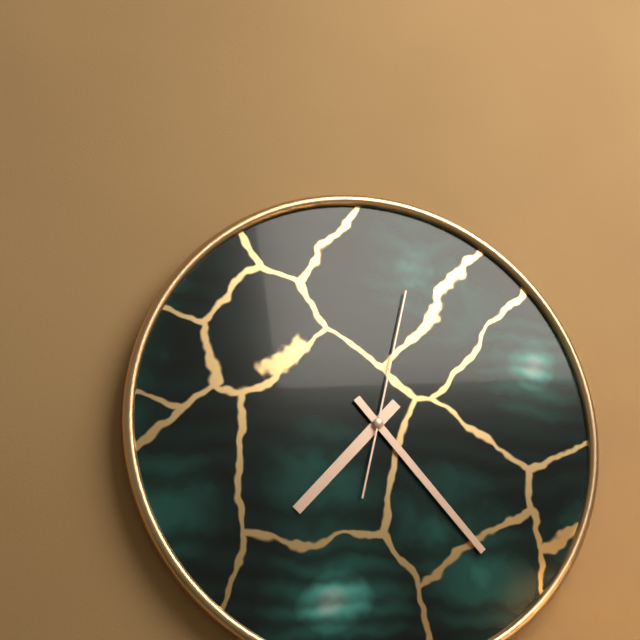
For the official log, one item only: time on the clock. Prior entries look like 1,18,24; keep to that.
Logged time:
7,23,02
